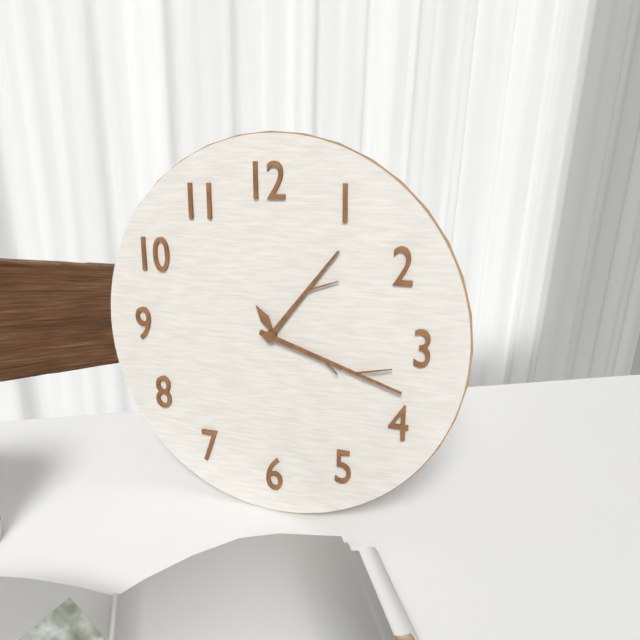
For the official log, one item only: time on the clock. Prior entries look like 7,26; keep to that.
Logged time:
1,18
